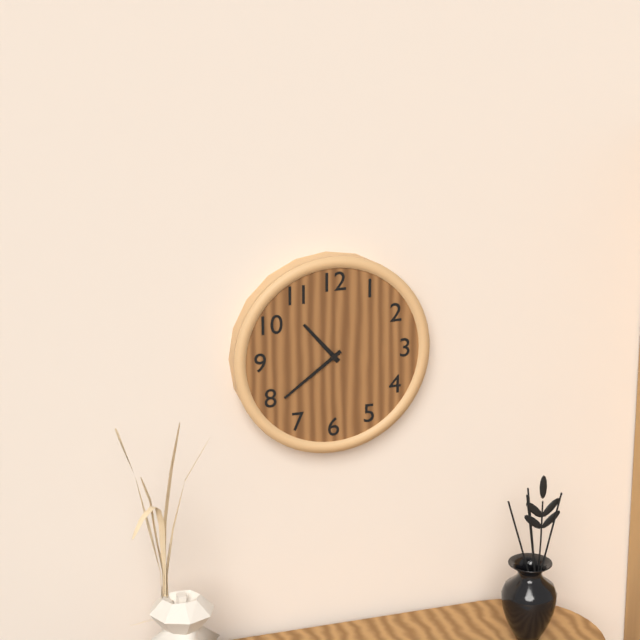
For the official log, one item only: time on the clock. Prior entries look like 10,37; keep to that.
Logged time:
10,39
